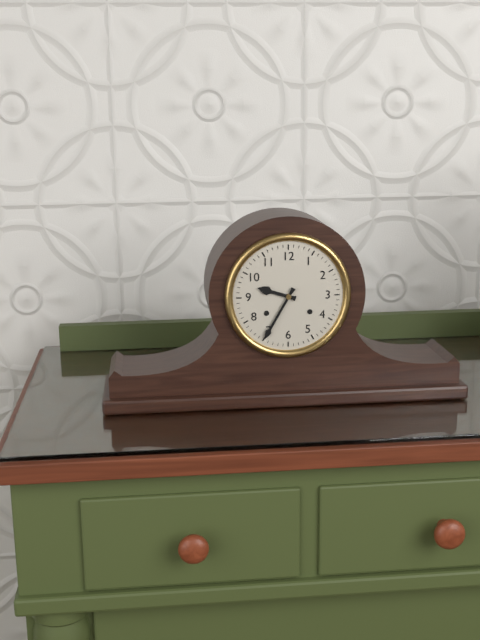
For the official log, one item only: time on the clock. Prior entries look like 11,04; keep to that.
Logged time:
9,35
